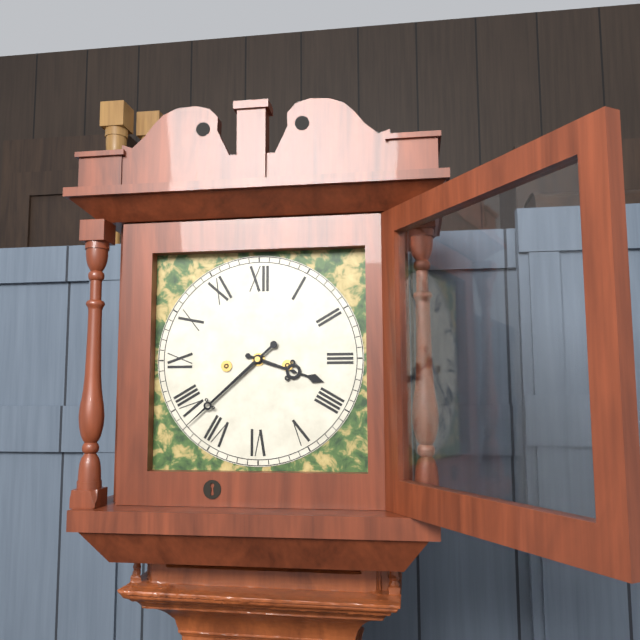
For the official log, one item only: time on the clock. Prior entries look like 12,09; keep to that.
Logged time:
3,38
